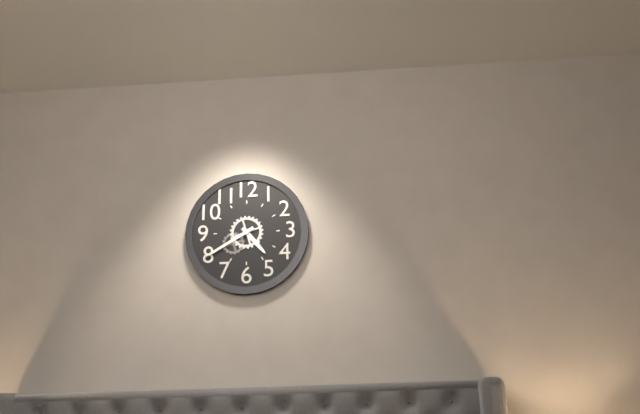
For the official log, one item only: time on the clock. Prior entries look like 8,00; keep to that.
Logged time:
4,40
